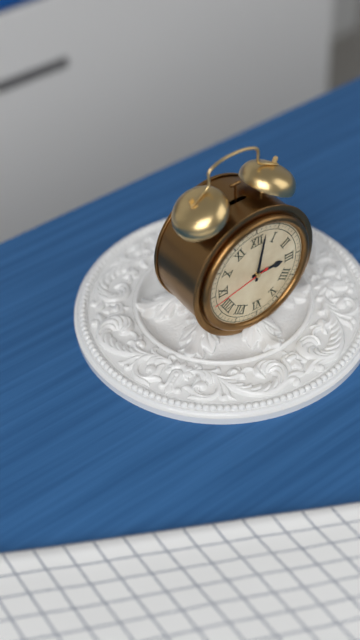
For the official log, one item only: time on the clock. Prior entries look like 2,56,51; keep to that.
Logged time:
3,02,43
